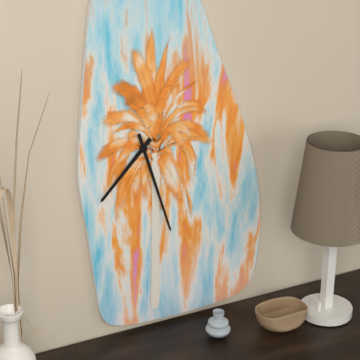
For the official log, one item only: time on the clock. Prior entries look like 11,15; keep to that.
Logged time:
7,27
